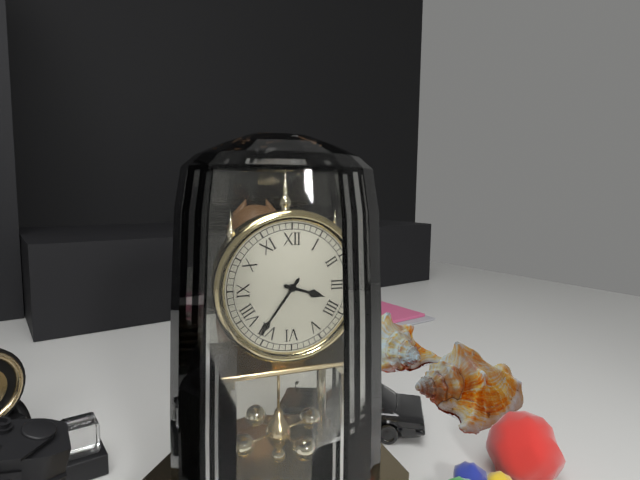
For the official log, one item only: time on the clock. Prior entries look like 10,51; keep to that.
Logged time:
3,36
